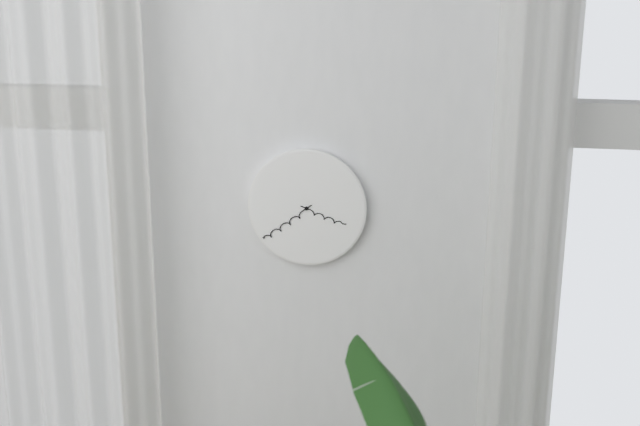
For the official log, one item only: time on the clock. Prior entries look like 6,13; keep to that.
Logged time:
3,39
